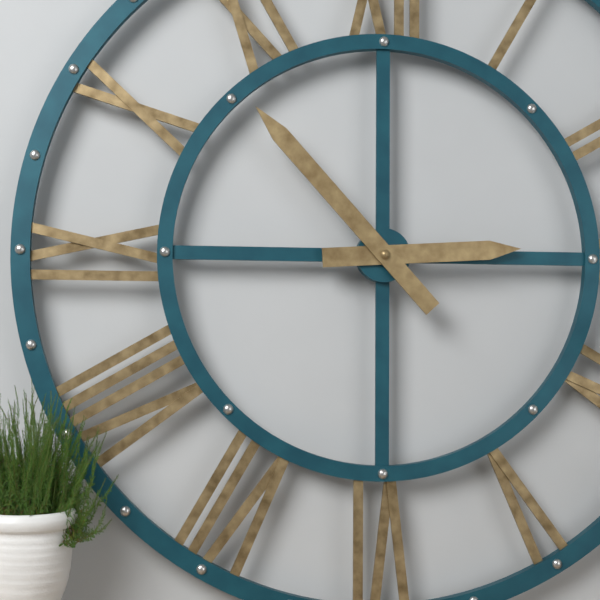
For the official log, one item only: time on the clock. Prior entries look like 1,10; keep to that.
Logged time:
2,53
